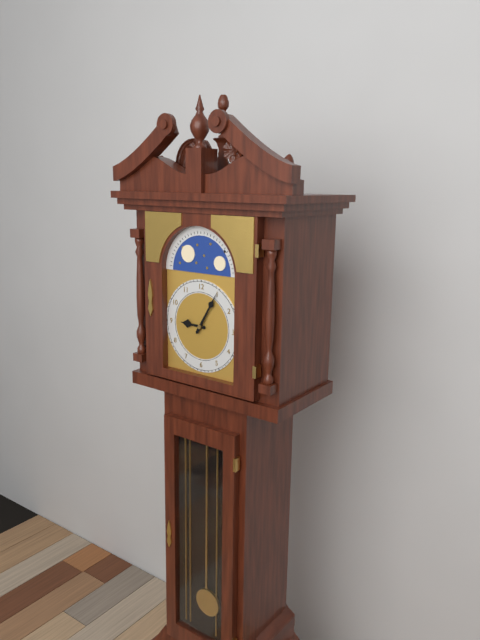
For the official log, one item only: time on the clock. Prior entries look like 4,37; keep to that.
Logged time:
9,05
